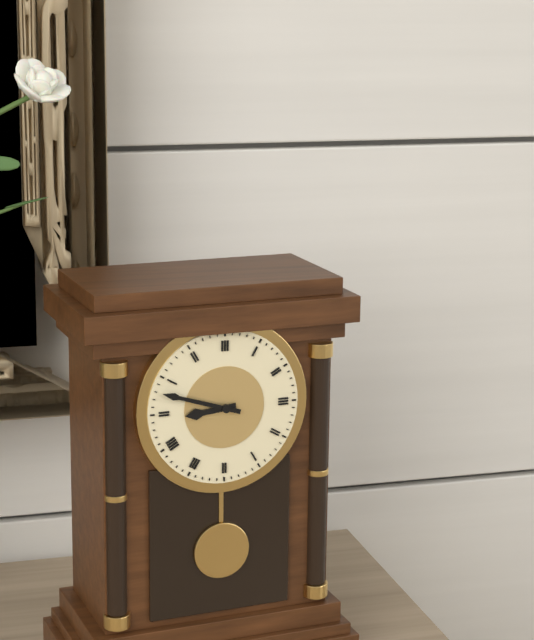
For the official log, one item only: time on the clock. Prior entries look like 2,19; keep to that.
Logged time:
8,48
